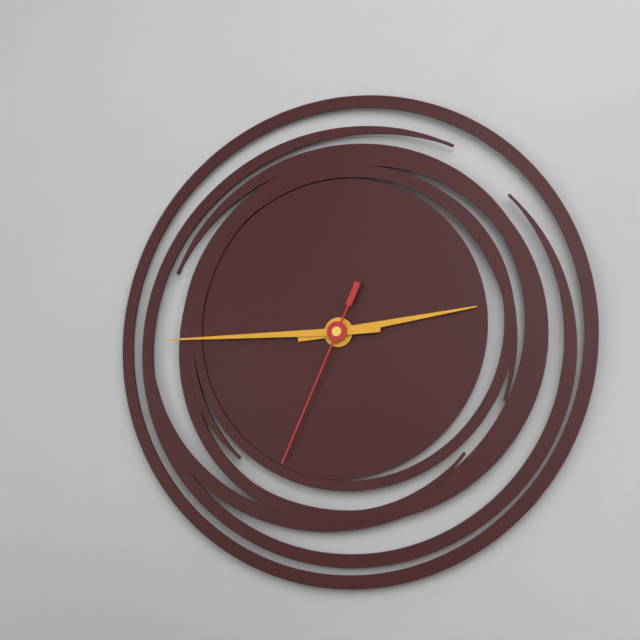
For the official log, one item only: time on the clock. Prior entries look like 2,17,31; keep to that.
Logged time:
2,45,34
